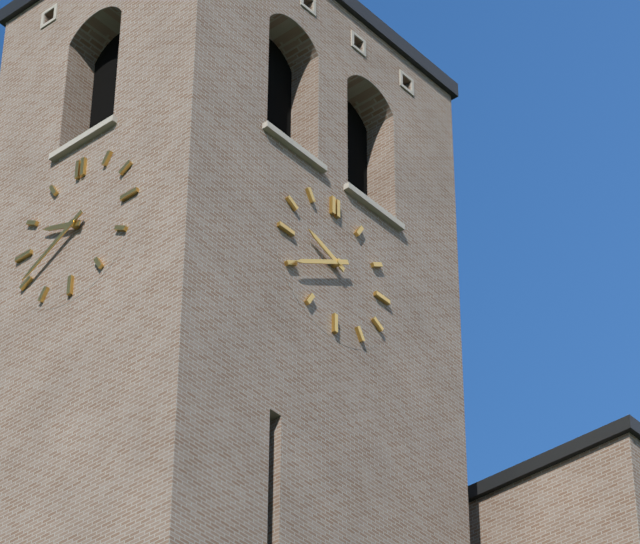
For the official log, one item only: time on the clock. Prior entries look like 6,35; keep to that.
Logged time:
9,40
